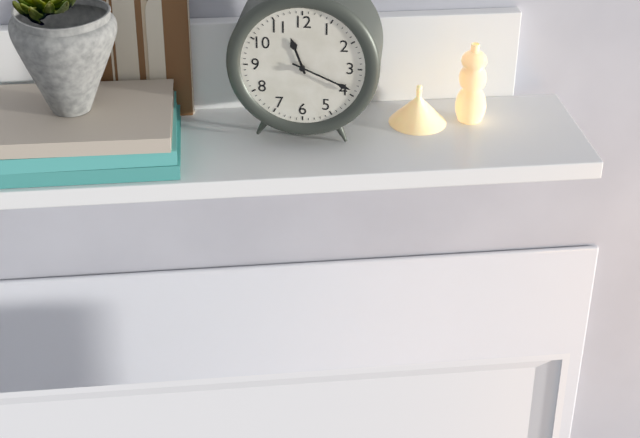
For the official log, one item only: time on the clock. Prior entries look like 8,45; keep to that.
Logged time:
11,19
